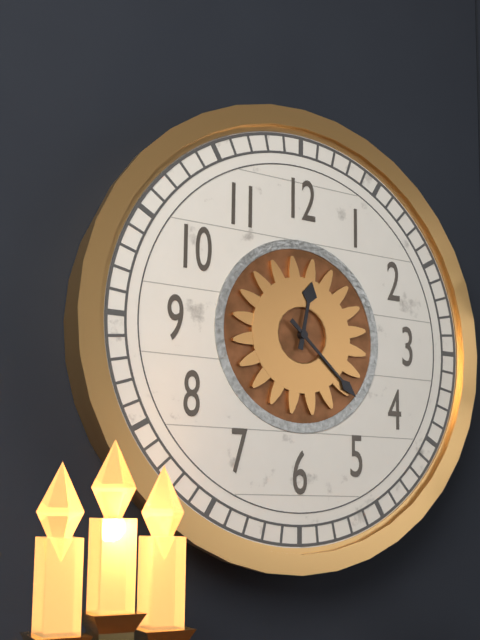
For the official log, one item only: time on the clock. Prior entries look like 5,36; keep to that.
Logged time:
12,22
